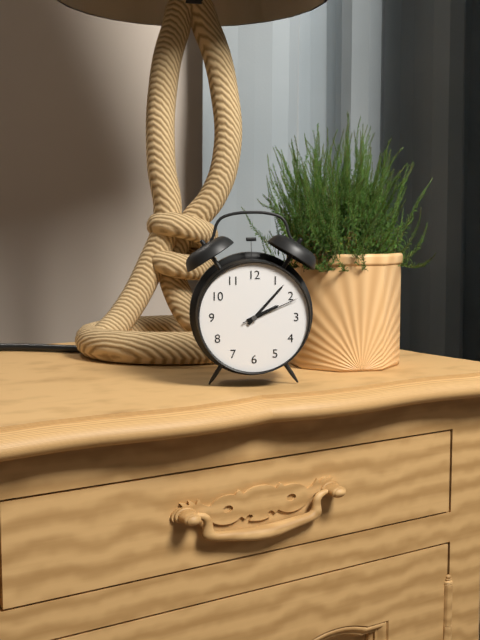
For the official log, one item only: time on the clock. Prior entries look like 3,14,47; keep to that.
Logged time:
2,07,11
